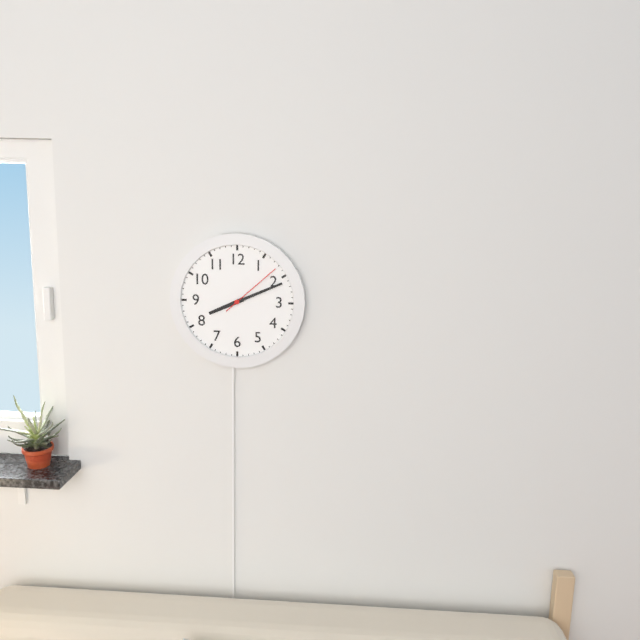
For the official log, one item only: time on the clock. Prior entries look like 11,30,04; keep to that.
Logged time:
8,11,08
